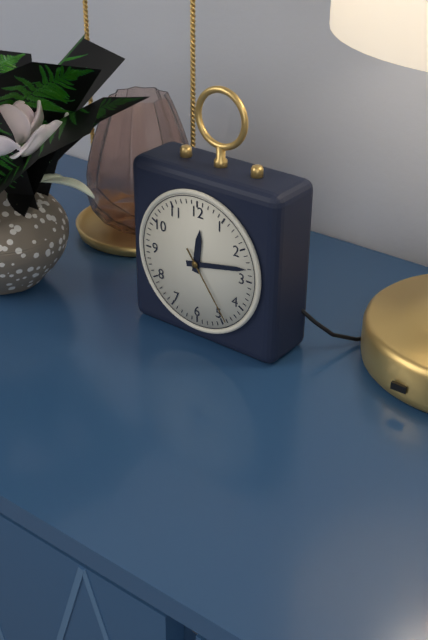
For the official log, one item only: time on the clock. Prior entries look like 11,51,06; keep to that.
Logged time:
12,13,24
